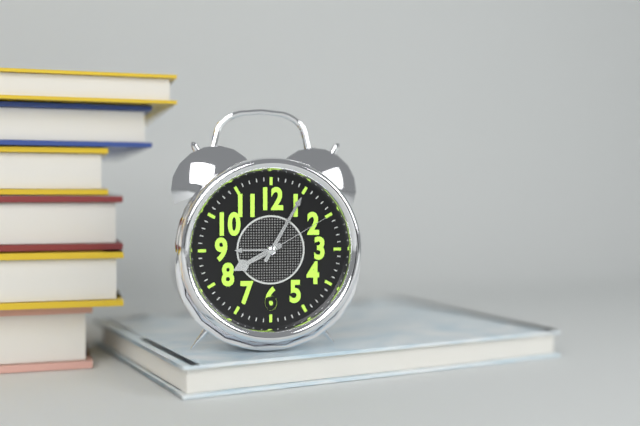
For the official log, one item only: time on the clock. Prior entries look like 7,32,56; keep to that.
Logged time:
8,05,10
